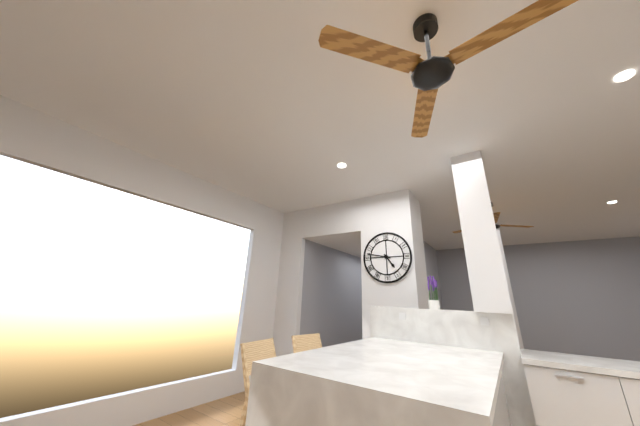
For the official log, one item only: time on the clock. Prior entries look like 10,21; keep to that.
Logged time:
4,47
